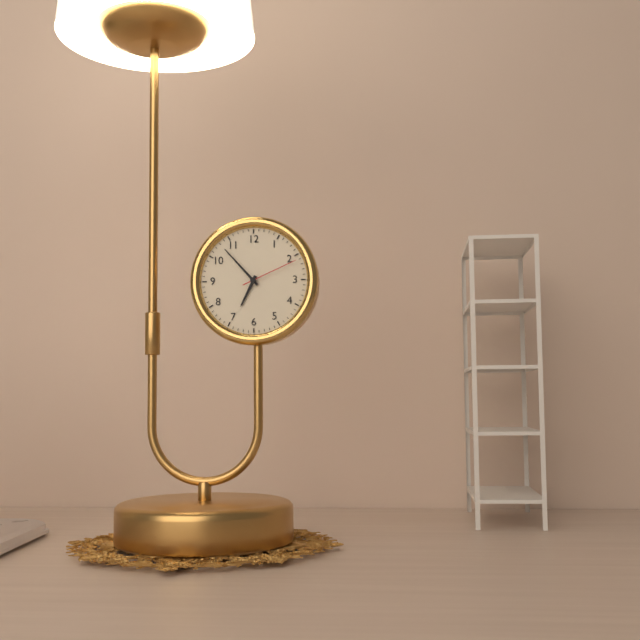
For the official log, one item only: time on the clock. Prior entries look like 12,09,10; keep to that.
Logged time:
6,53,11
